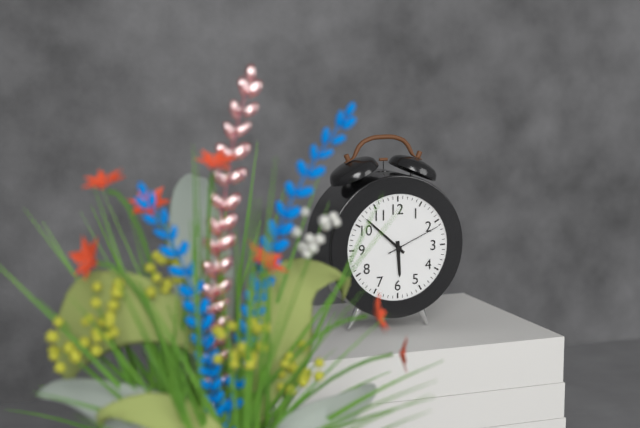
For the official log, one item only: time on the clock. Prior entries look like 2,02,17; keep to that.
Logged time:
5,52,11
